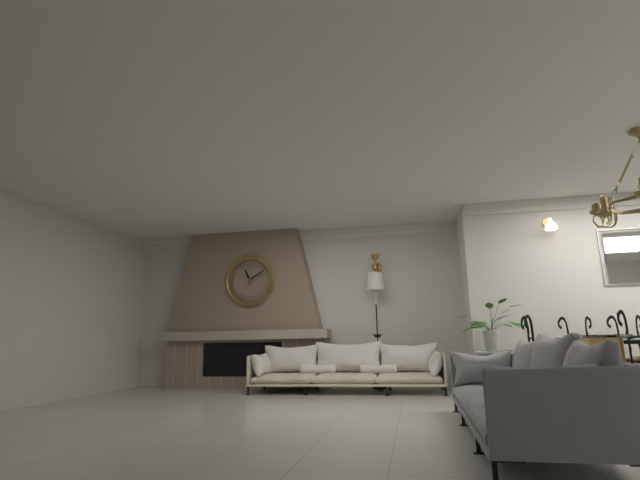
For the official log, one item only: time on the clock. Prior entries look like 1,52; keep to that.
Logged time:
11,10
